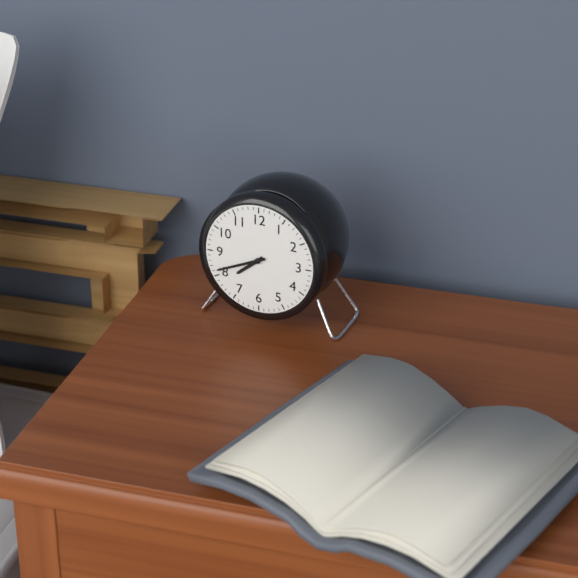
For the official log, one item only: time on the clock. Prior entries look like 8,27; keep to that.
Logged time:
7,41
